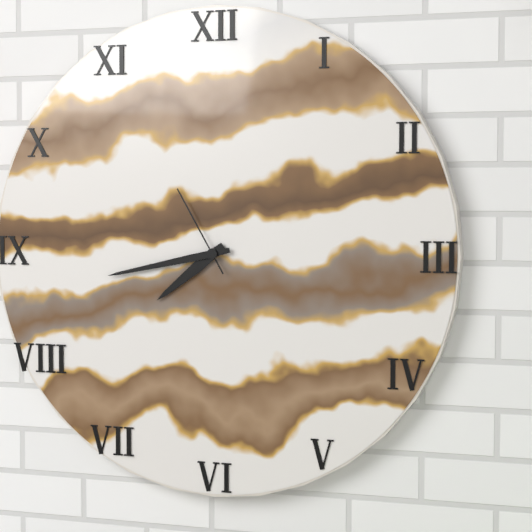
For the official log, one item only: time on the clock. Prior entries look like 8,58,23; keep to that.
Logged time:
7,43,55
